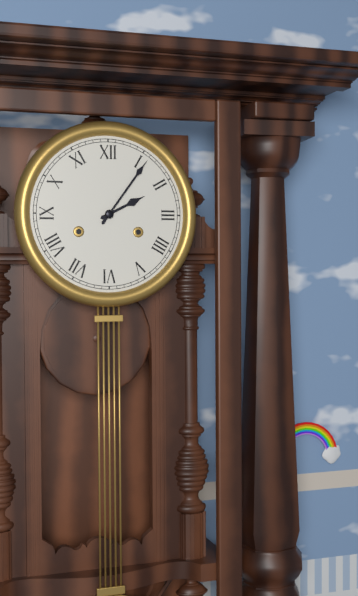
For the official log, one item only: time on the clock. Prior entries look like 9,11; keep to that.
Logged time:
2,06
